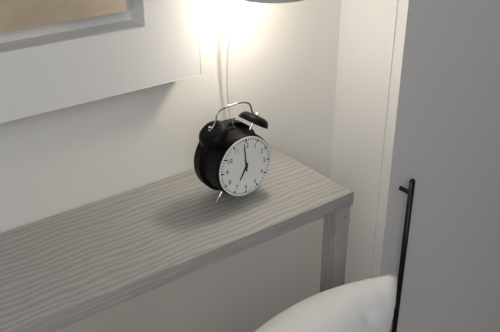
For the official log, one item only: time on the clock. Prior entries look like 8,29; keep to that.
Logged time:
6,59
